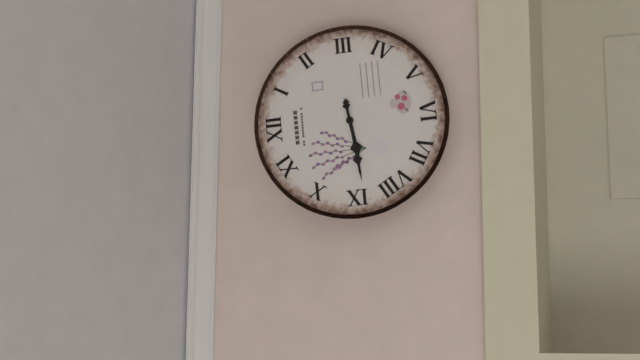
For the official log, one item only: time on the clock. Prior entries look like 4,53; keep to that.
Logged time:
8,44
